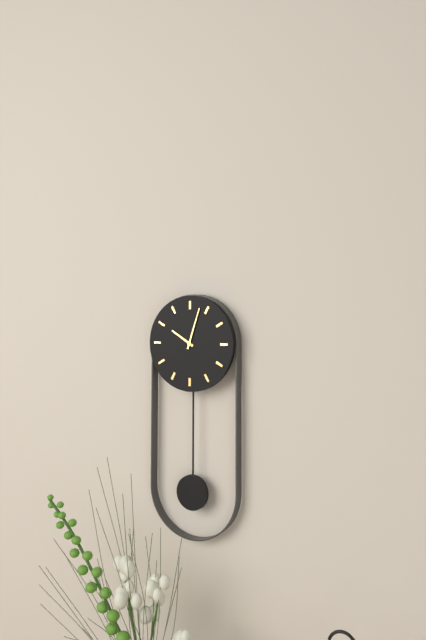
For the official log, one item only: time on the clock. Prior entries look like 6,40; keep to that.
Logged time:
10,03
